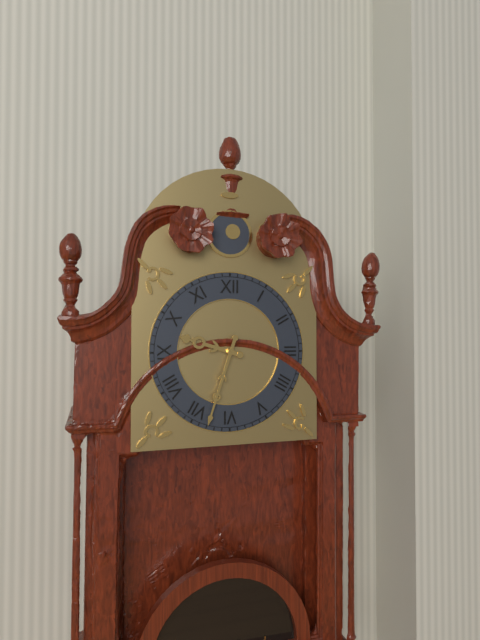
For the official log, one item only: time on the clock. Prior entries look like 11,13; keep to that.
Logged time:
9,33
